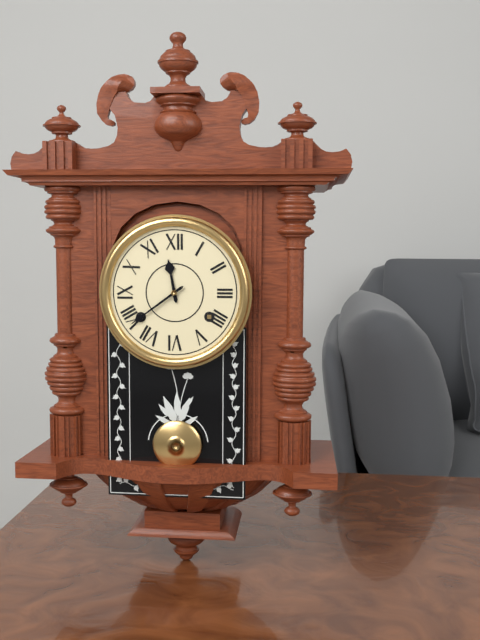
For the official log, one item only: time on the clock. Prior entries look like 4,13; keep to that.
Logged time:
11,39
